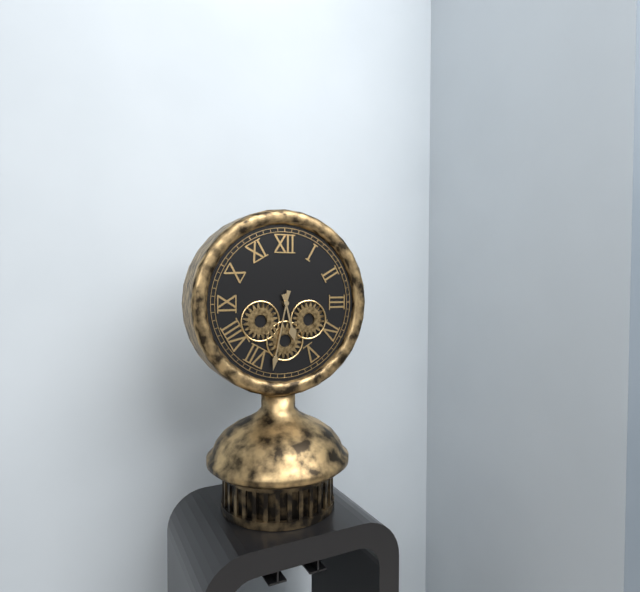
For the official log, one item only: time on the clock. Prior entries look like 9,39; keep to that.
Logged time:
5,32
